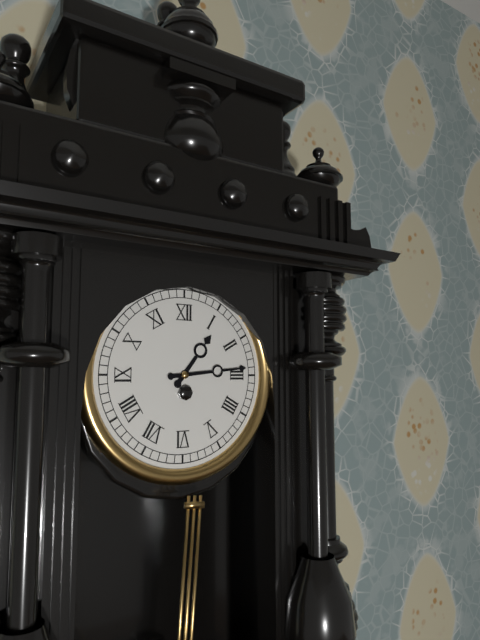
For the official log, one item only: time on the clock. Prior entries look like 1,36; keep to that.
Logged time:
1,14
